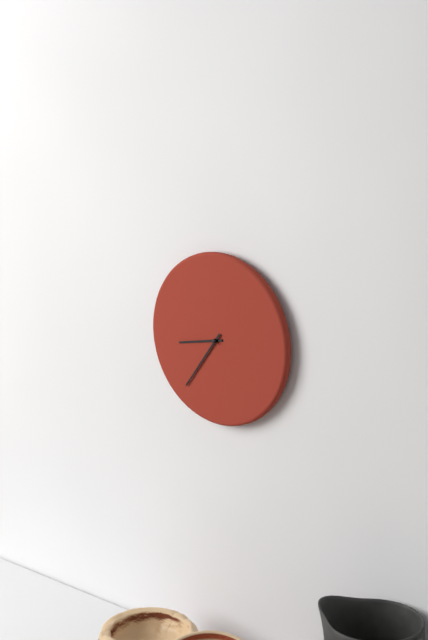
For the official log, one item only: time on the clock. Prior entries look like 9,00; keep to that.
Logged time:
8,36
